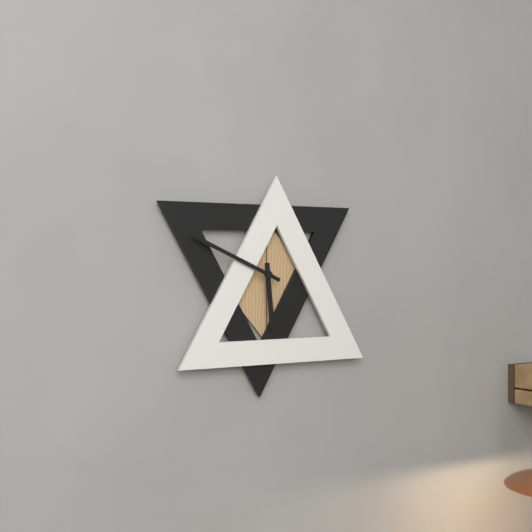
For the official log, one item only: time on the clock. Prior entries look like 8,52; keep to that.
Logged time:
5,49
